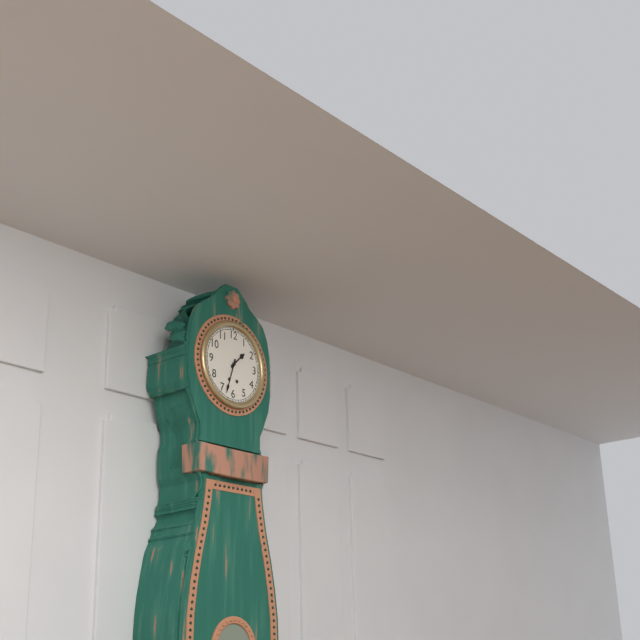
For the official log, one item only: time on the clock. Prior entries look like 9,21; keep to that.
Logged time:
1,33
